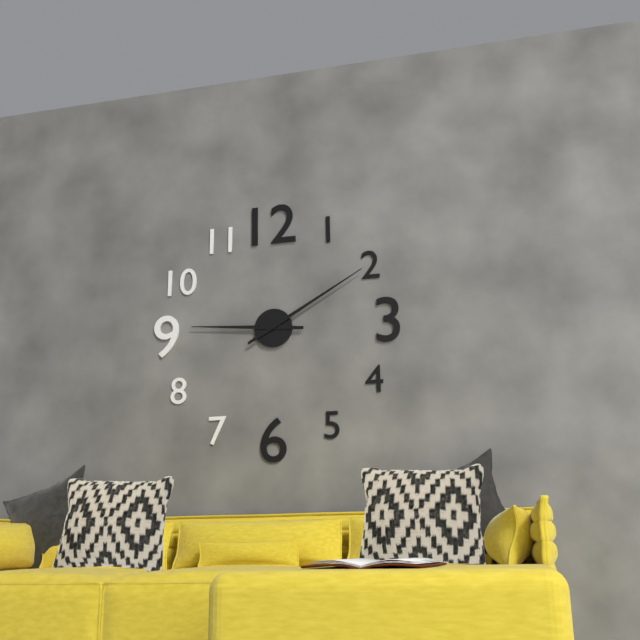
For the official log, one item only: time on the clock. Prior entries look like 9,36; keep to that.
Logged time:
9,10
